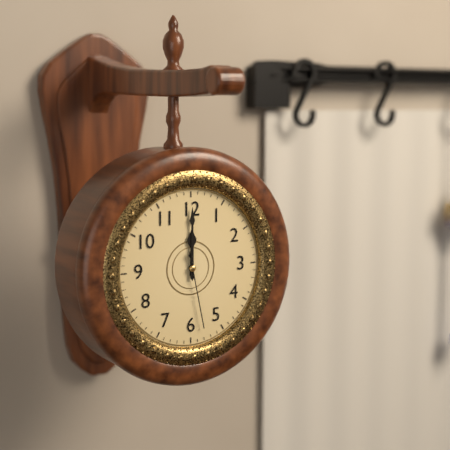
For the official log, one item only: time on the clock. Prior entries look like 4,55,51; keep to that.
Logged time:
12,00,28
